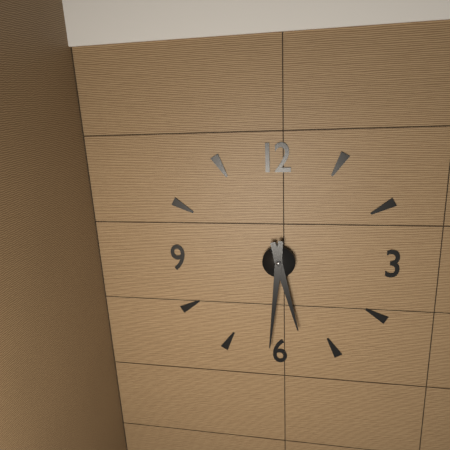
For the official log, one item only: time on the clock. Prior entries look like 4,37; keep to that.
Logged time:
5,31
